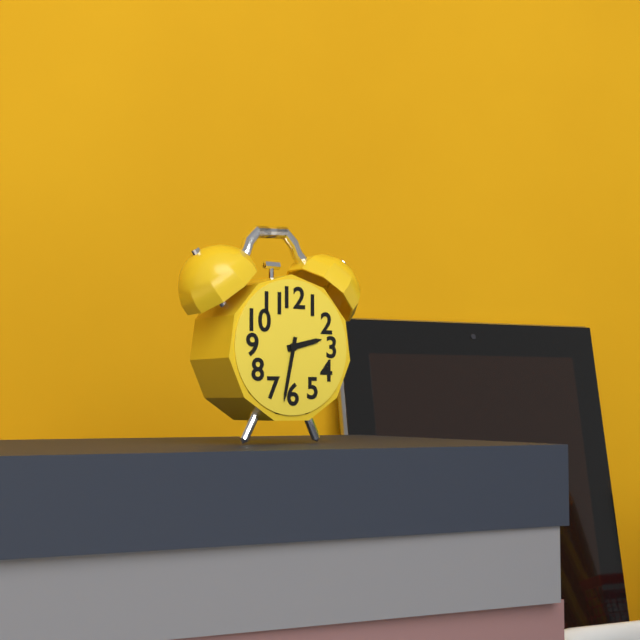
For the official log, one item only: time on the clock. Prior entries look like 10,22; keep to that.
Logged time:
2,32
